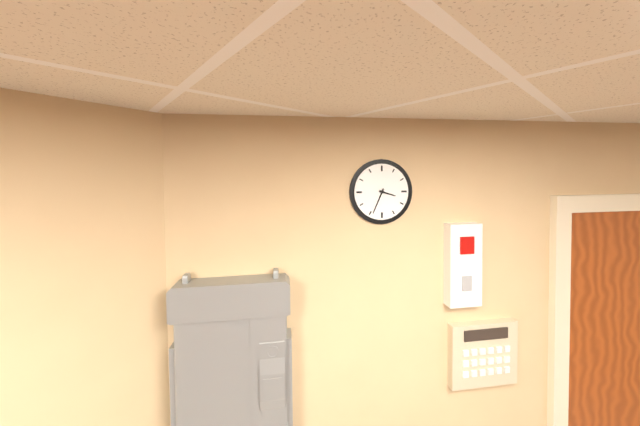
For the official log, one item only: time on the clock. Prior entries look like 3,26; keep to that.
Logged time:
3,34
